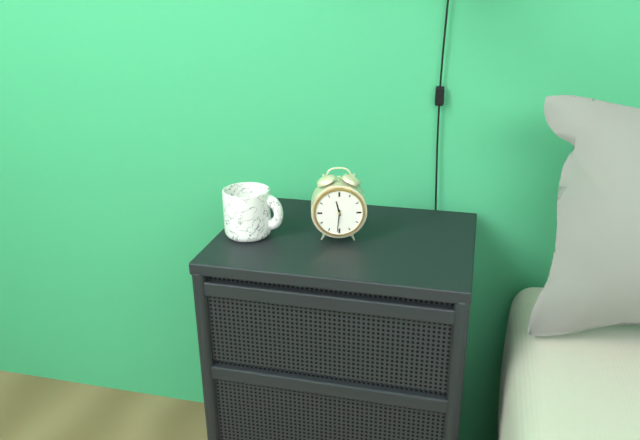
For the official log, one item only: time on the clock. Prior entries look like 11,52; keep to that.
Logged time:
11,31
